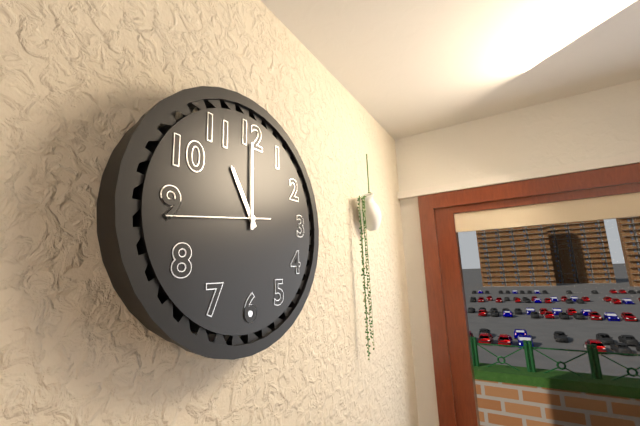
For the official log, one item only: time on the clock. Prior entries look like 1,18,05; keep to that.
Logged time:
11,00,44
